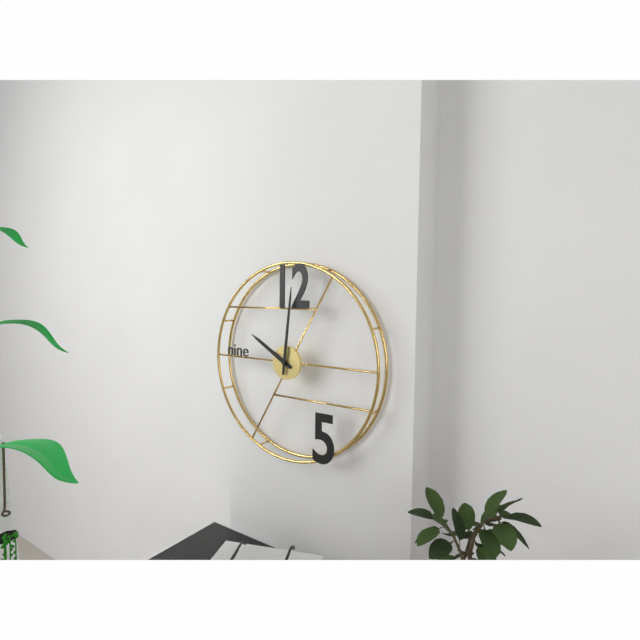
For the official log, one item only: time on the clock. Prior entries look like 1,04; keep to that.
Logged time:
10,01
